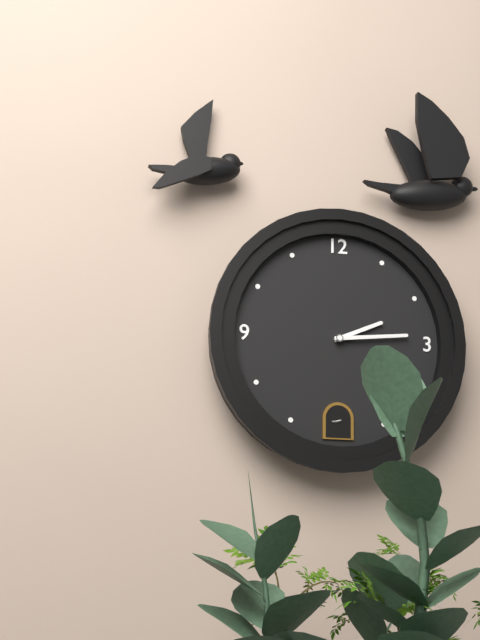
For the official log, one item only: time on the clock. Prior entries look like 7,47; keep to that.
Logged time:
2,14
